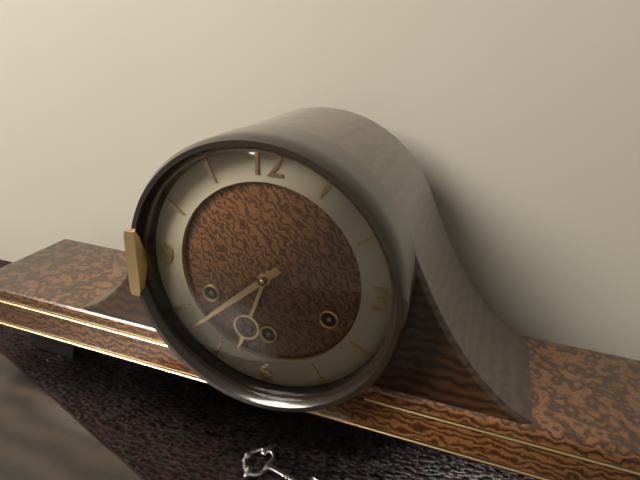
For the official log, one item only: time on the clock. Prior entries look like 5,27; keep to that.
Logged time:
6,38
